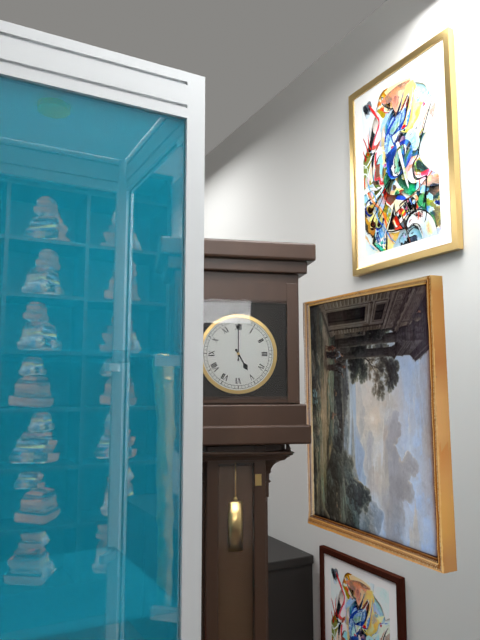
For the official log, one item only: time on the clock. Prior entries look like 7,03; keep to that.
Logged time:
5,00
